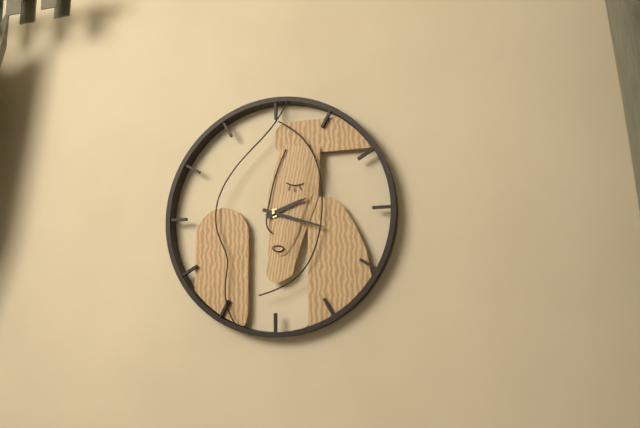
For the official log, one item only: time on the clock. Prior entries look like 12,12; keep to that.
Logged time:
2,18
